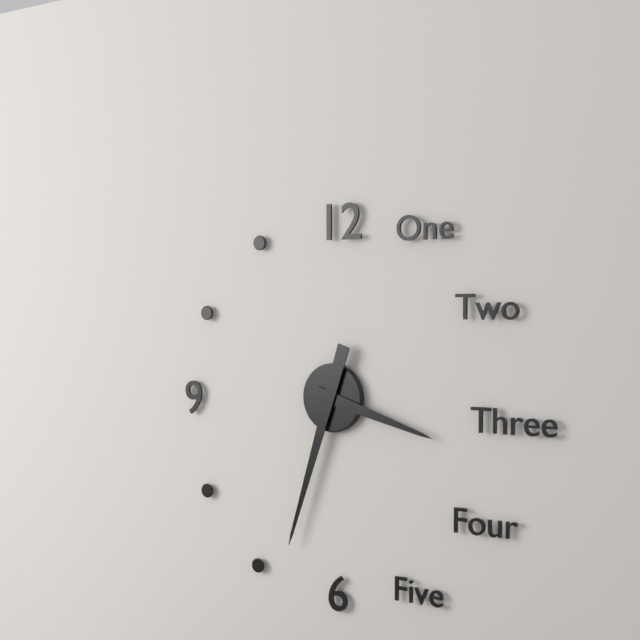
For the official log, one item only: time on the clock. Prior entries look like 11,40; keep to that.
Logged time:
3,33
